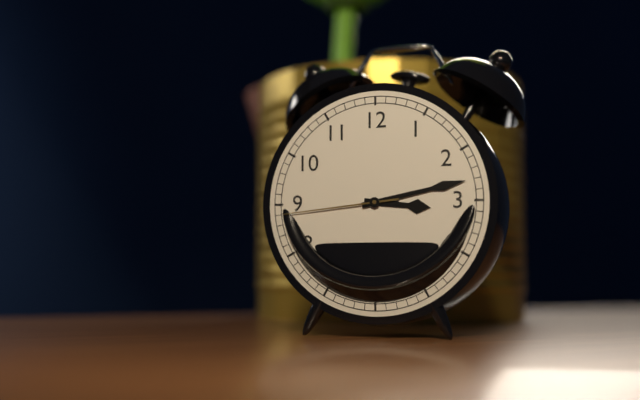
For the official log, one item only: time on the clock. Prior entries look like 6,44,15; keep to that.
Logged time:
3,13,44
